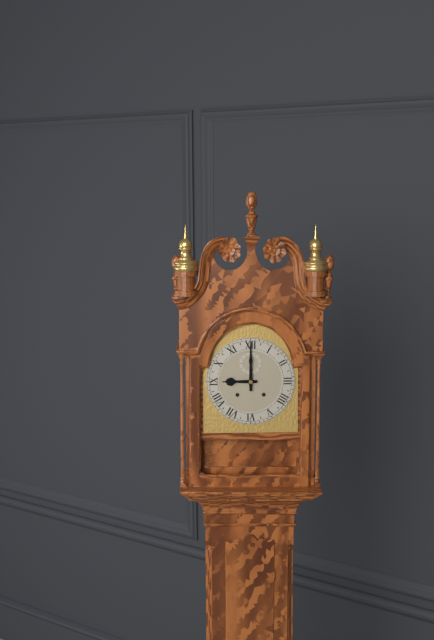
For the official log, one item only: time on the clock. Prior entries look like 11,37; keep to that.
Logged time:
9,00
